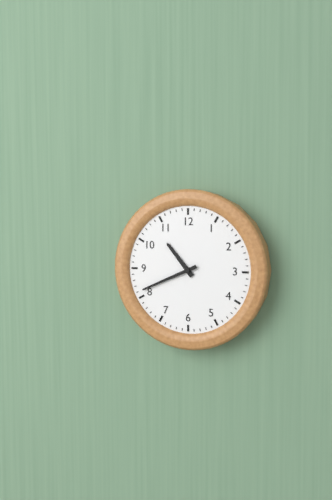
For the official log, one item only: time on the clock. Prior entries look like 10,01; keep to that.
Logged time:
10,41
